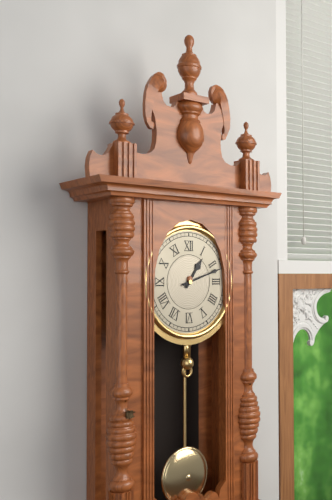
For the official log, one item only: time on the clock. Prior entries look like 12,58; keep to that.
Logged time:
1,12
